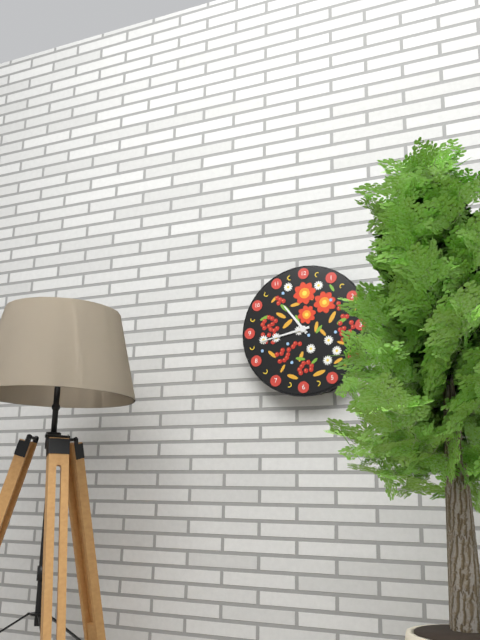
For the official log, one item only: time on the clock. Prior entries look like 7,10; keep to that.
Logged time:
10,43
